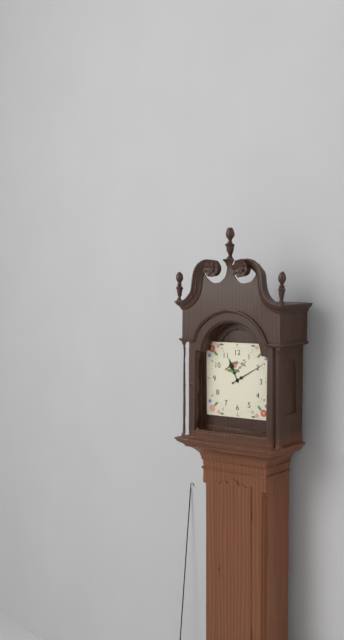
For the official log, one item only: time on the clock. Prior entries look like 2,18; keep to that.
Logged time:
11,10
